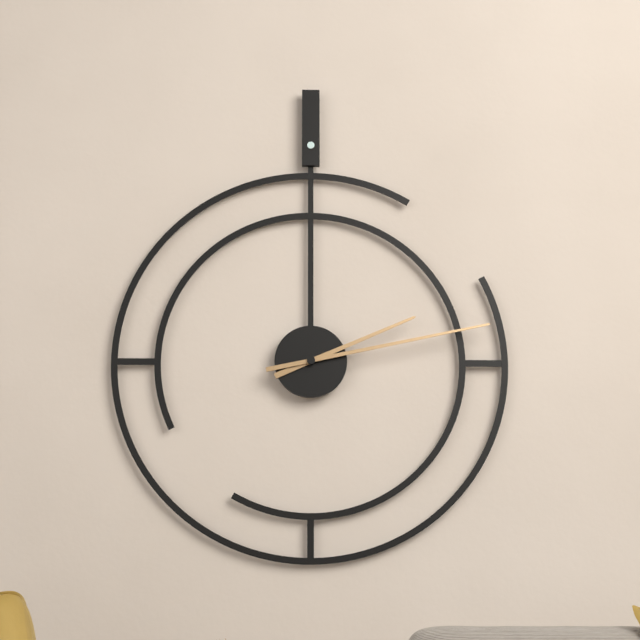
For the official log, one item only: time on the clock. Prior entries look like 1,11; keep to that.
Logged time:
2,13
